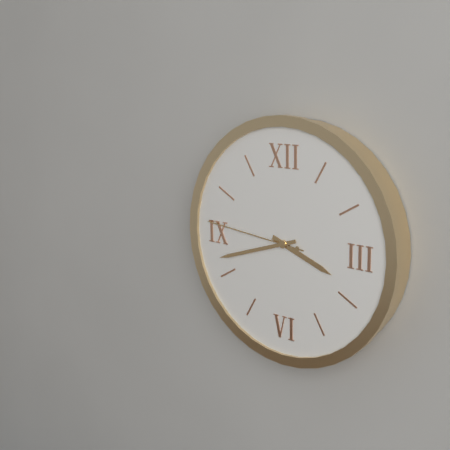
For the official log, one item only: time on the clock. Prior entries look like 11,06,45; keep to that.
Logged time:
3,42,46
